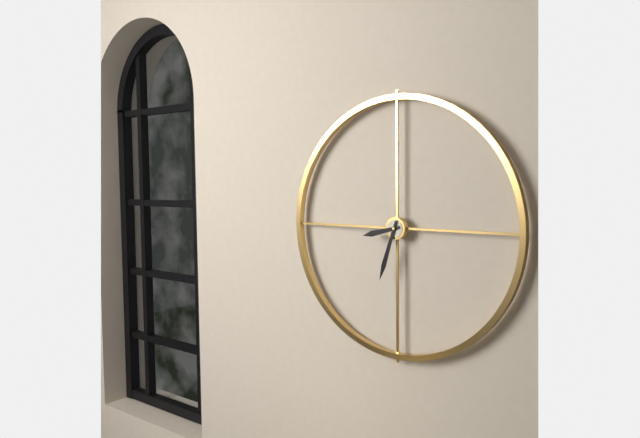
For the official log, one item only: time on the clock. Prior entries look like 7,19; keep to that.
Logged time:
8,33
